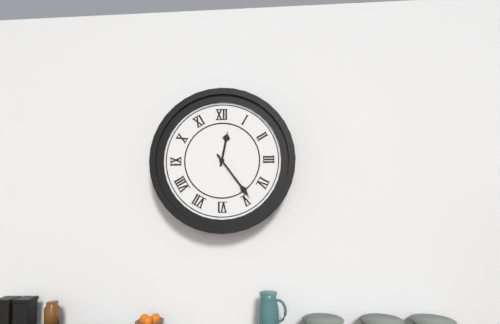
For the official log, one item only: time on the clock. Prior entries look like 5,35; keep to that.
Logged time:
12,24
